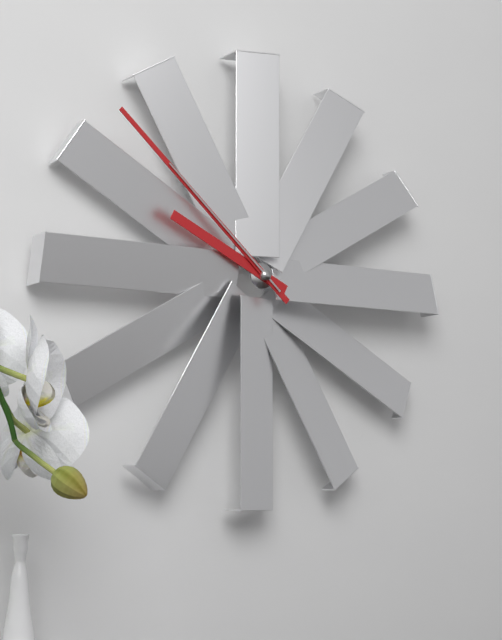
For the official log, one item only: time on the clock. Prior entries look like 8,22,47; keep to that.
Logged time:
9,52,52
